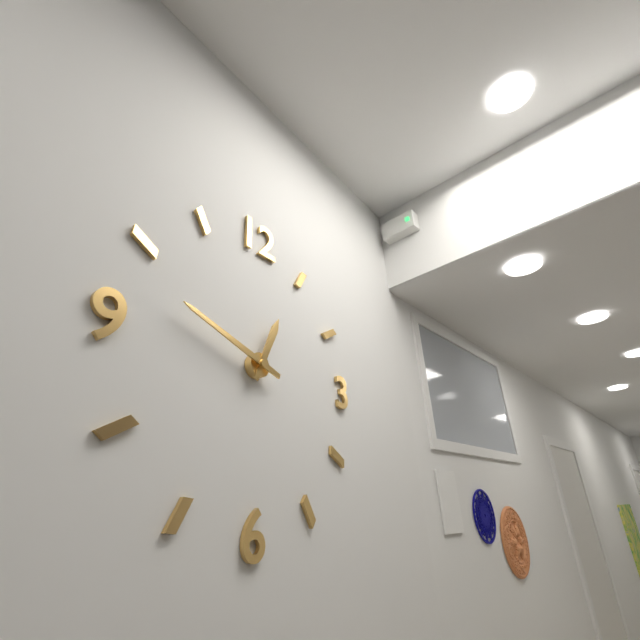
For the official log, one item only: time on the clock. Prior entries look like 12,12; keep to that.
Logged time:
12,48
